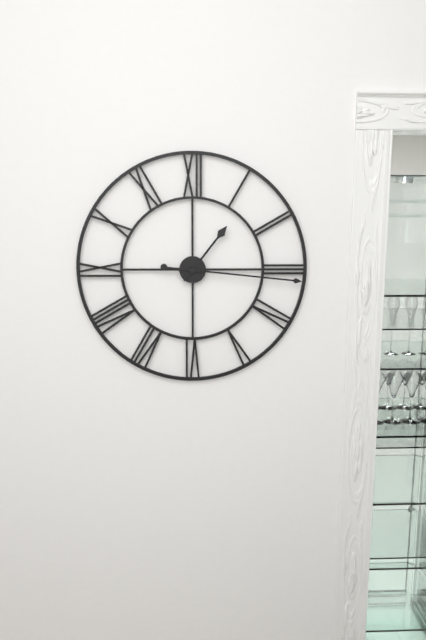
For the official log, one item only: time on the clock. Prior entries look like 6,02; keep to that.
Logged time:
1,16
